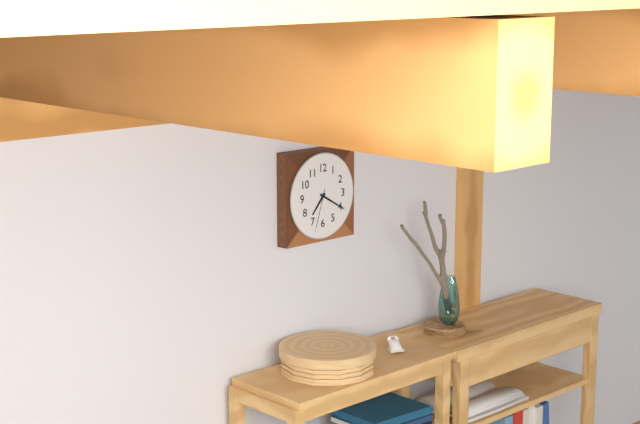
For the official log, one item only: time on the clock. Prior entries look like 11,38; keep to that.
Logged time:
7,20
